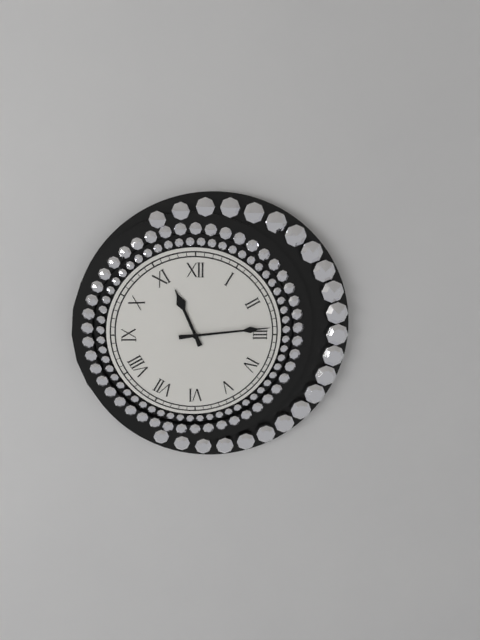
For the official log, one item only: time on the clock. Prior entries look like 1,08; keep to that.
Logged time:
11,14
